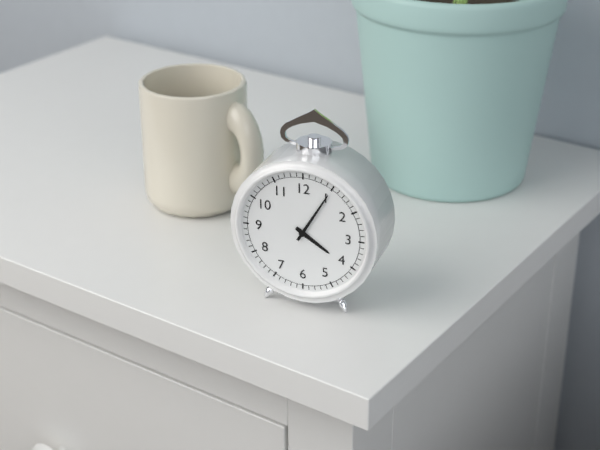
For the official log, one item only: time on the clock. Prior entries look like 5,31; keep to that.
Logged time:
4,05
